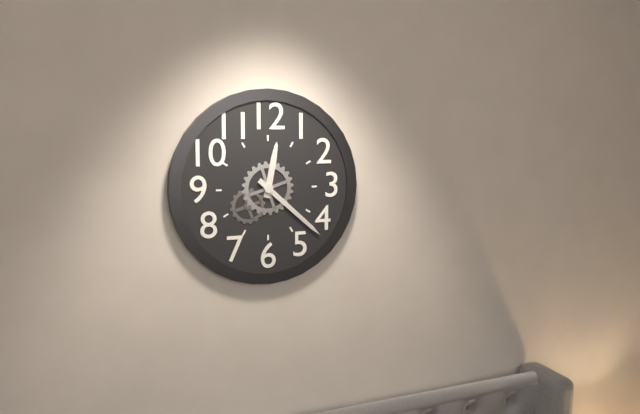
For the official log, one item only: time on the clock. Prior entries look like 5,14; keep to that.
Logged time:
12,22
